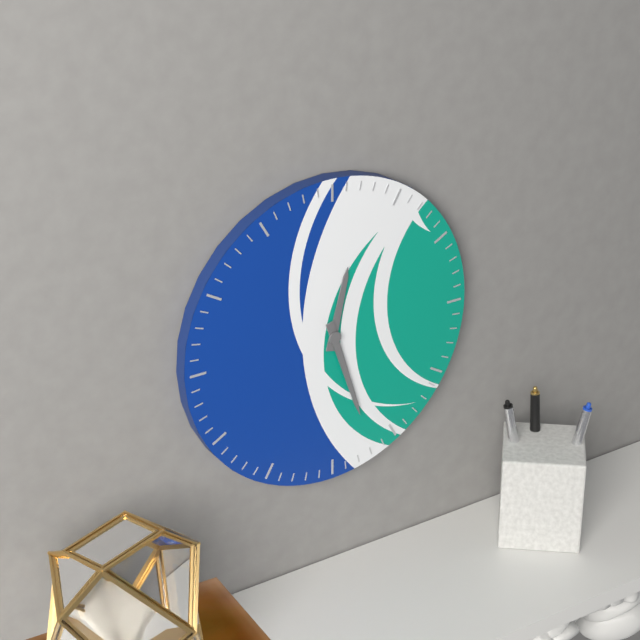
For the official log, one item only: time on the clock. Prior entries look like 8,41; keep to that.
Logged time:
12,27
